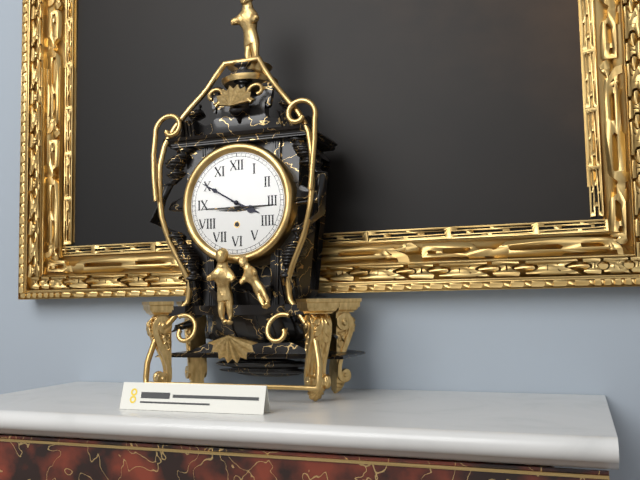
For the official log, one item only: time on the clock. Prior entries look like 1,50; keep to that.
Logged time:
3,50
